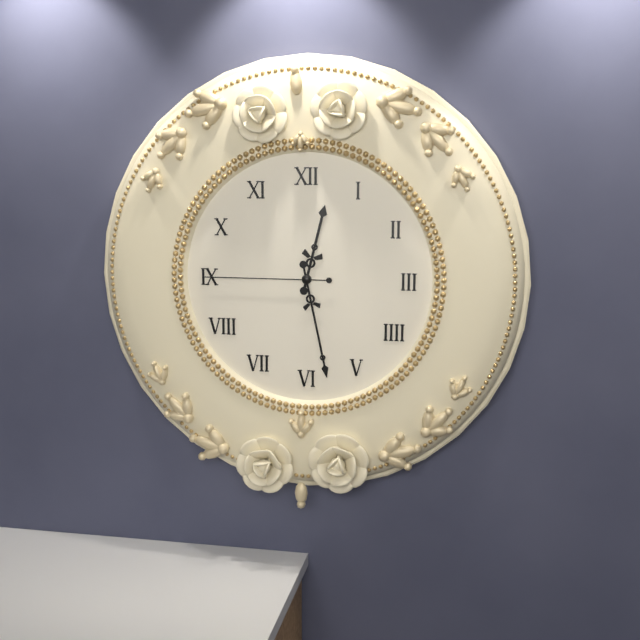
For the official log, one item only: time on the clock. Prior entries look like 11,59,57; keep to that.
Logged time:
12,28,45
